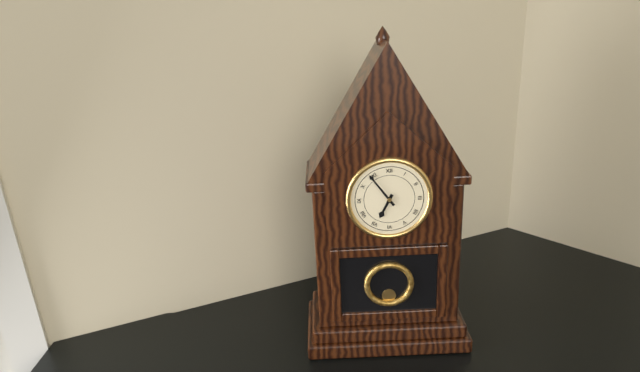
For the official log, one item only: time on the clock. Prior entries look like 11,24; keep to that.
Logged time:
6,54
